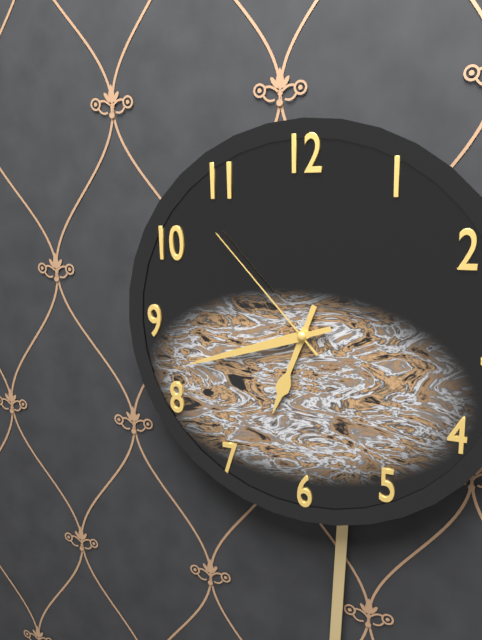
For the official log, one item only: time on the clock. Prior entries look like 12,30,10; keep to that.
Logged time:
6,42,53
